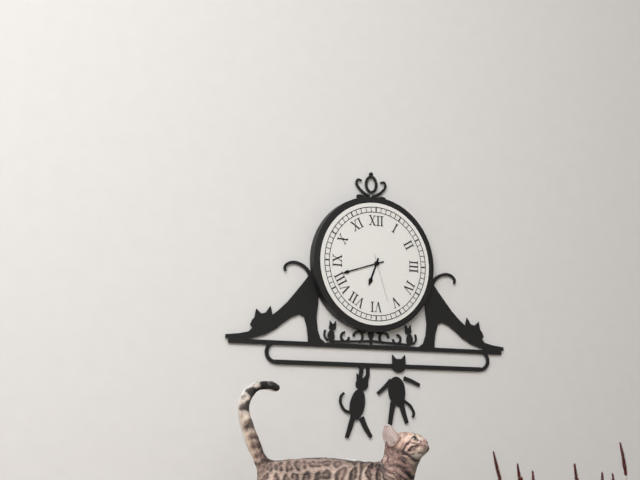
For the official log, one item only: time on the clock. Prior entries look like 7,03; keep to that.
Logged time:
6,42
